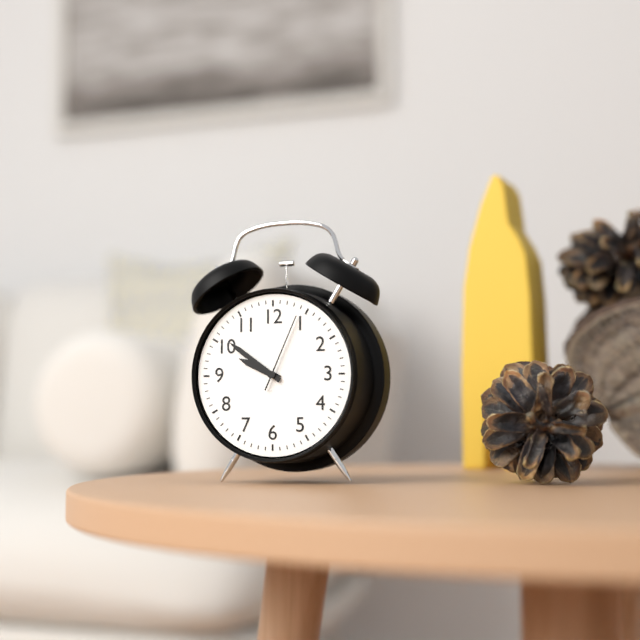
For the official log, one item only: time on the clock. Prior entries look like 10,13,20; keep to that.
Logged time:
9,51,04
